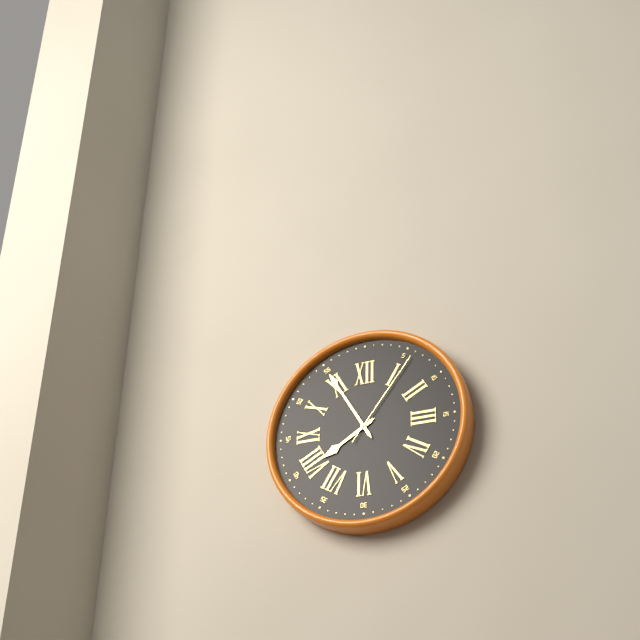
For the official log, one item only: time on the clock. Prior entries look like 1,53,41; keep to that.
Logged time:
7,55,06
